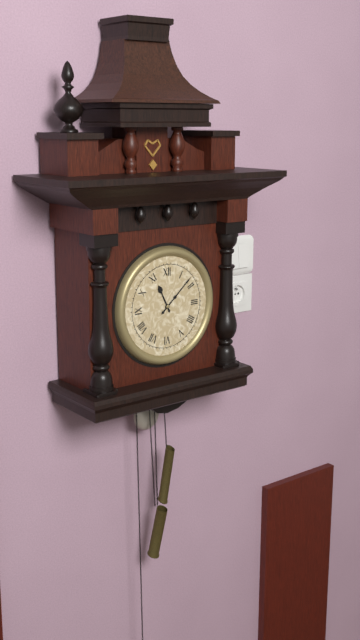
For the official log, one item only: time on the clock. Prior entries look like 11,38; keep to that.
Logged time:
11,08
